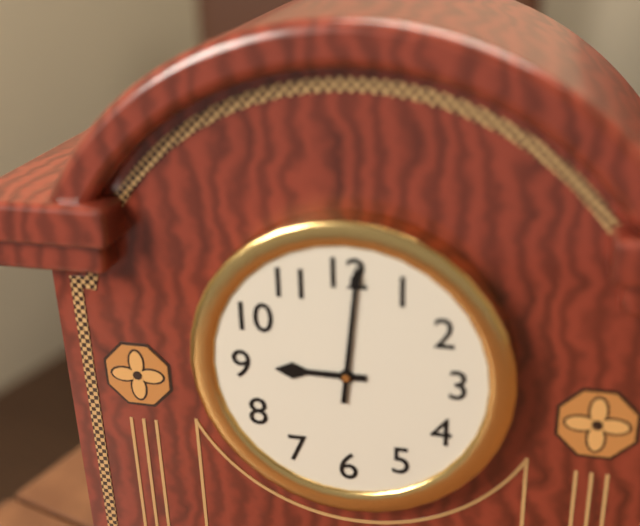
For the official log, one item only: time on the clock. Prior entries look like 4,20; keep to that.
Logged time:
9,01
